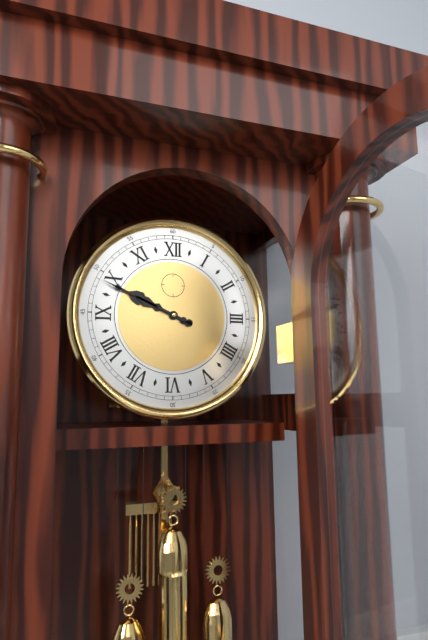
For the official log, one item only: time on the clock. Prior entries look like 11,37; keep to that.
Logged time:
9,49
